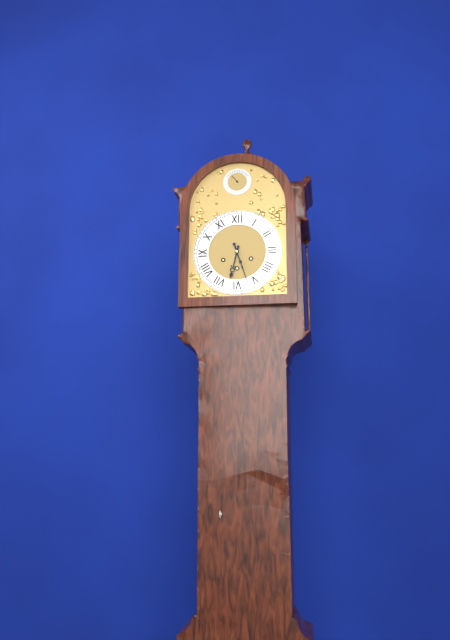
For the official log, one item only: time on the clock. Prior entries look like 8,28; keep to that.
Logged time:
6,27
